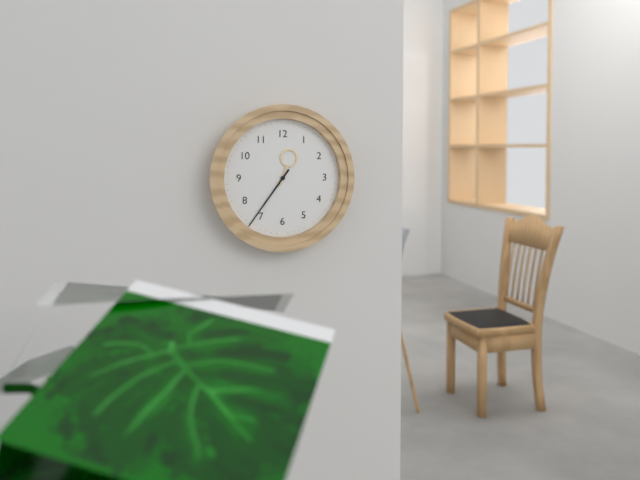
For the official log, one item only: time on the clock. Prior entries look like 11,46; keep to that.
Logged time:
12,36
